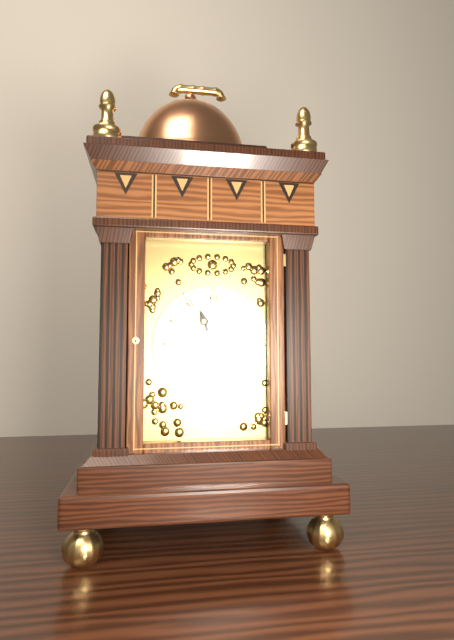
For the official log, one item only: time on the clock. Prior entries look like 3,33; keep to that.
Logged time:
11,21
